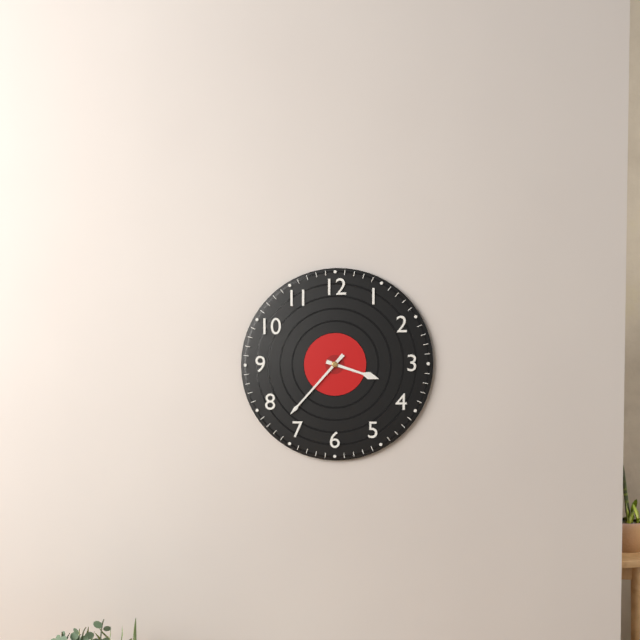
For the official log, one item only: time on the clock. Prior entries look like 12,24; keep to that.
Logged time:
3,37
